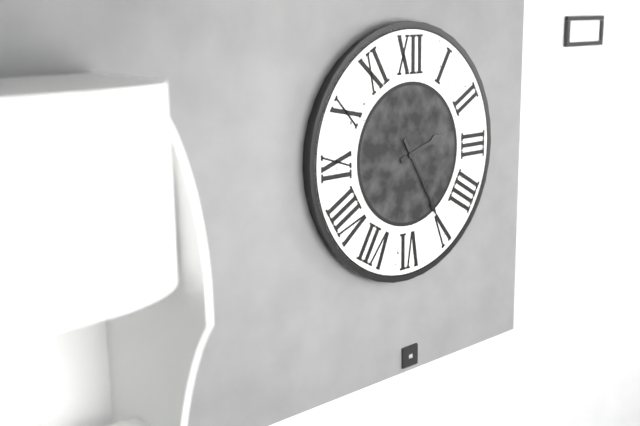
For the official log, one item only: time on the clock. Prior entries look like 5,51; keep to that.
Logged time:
2,25
